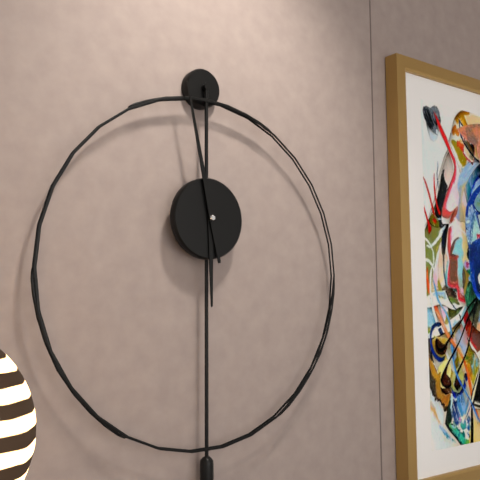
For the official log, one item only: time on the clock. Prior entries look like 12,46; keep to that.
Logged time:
5,58
